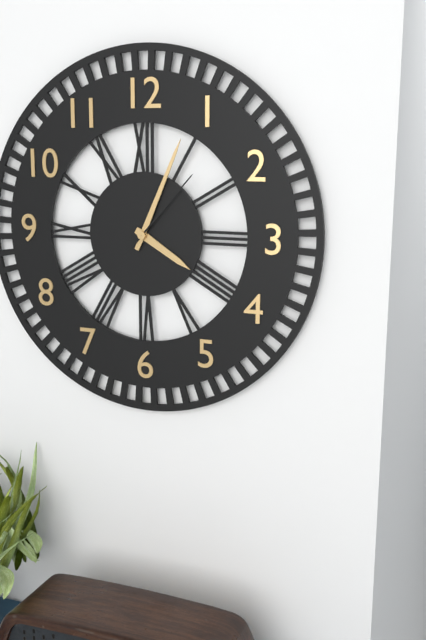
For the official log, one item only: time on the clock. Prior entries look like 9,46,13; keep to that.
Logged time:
4,04,07
